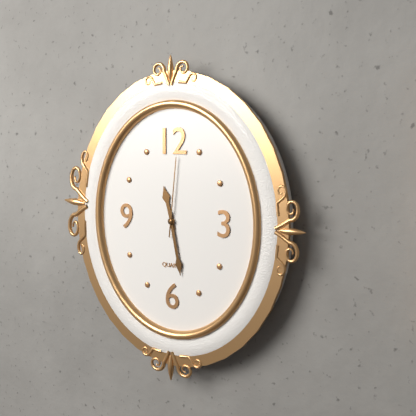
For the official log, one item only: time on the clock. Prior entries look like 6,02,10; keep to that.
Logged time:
11,28,01
